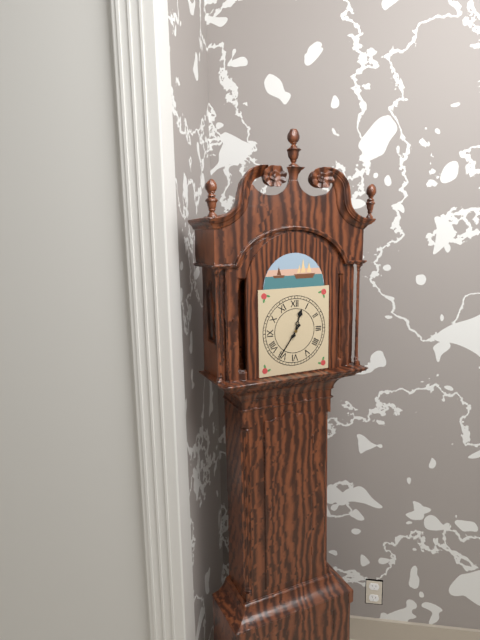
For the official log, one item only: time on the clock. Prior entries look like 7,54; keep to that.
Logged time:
12,36
